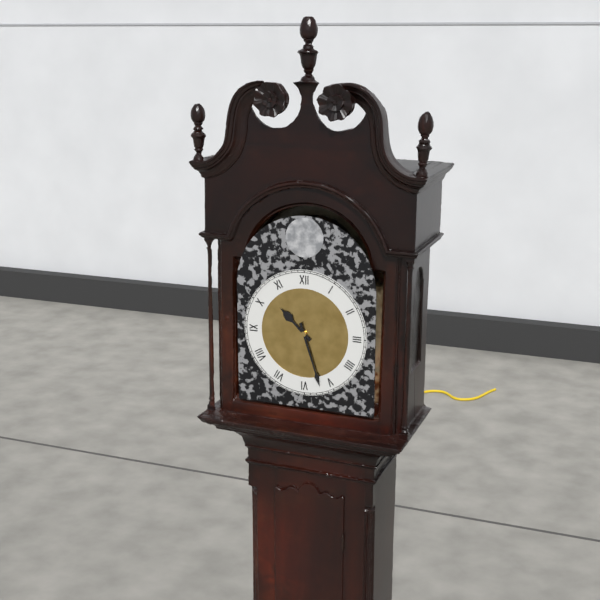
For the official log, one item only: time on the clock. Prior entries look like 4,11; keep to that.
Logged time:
10,27
